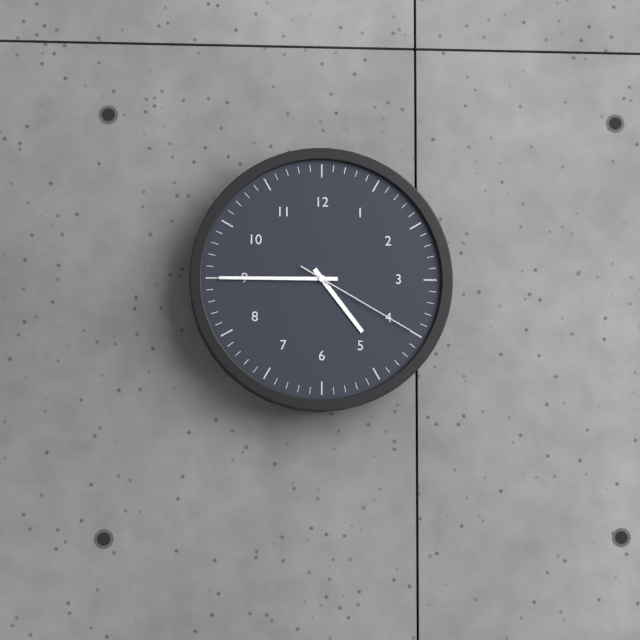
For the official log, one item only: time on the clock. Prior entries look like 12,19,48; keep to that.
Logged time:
4,45,20
